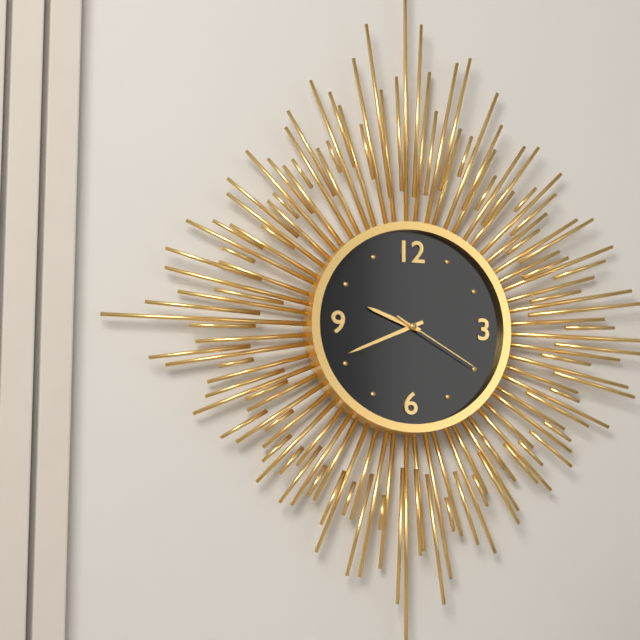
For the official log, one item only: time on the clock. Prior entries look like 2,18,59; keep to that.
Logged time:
9,41,20
